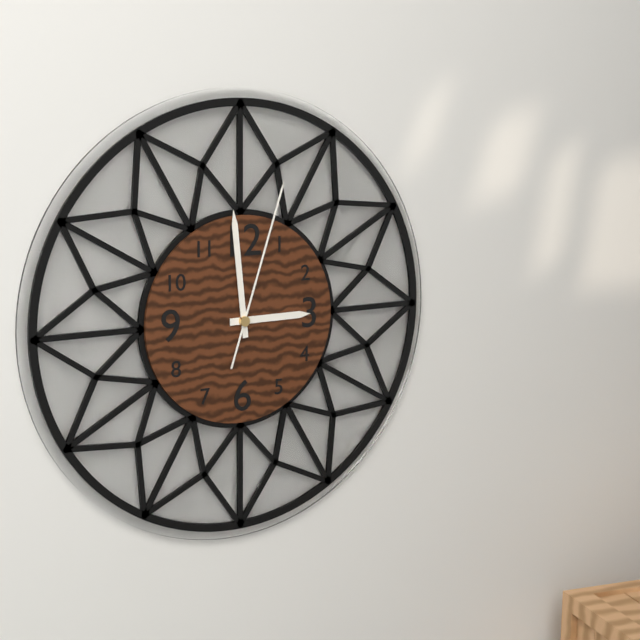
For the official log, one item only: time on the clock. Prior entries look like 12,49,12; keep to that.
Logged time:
2,59,03
